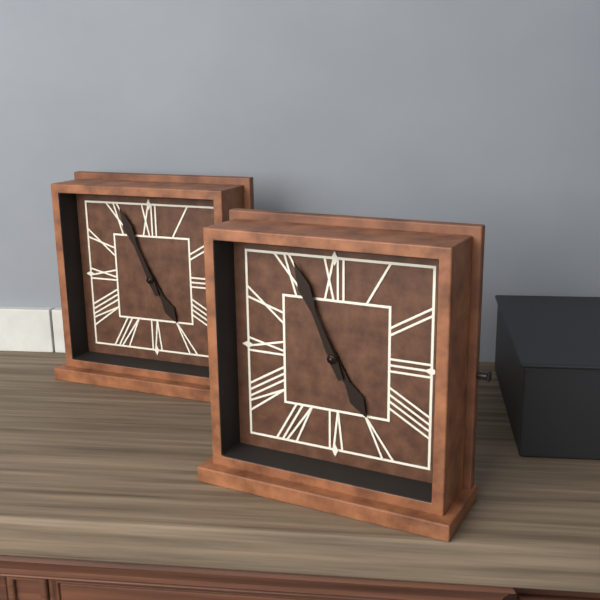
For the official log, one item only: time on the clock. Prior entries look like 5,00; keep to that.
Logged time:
4,56
